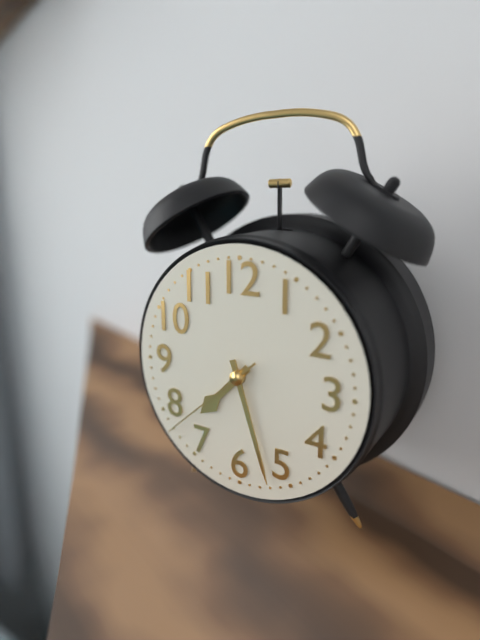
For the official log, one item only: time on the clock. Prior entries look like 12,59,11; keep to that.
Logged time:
7,27,38
